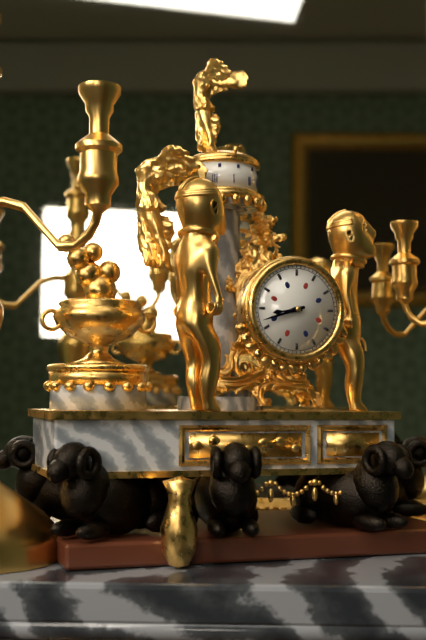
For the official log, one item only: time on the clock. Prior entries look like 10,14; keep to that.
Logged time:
8,42
